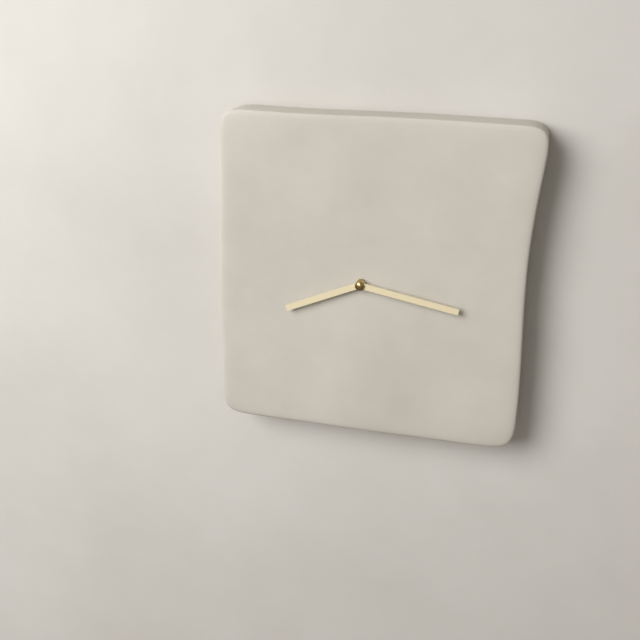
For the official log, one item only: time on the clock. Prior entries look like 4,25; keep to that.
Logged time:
8,17
